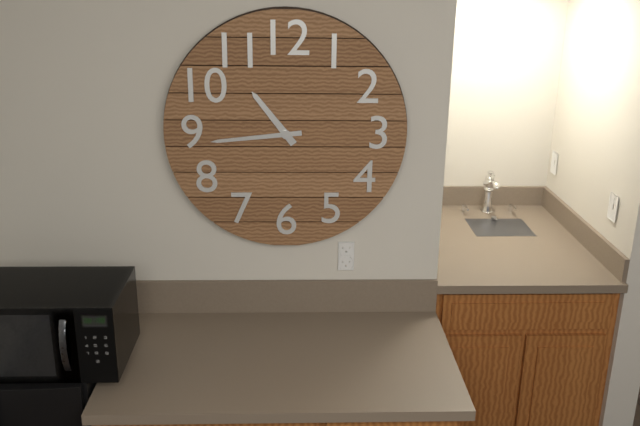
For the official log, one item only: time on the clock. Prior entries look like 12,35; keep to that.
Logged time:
10,44
